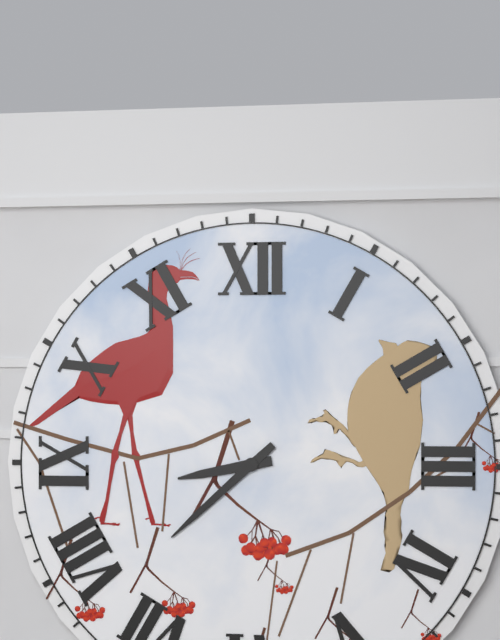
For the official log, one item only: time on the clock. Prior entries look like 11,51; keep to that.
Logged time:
8,38
